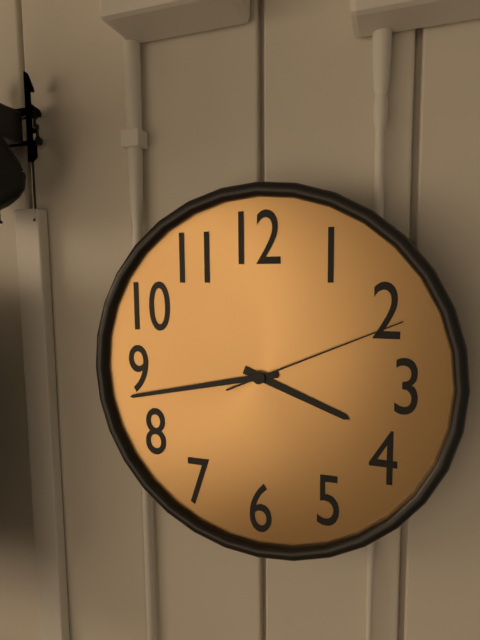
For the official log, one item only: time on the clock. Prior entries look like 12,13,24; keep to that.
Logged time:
3,43,11
